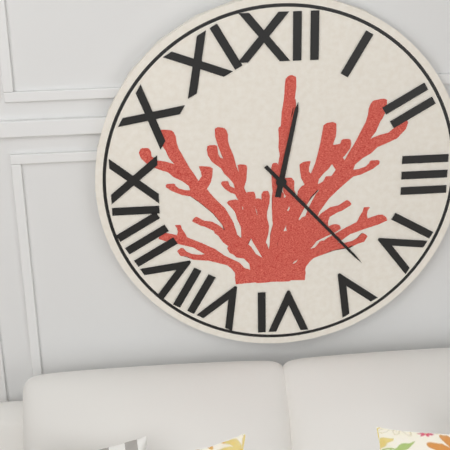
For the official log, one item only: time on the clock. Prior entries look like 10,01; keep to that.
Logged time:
12,23
